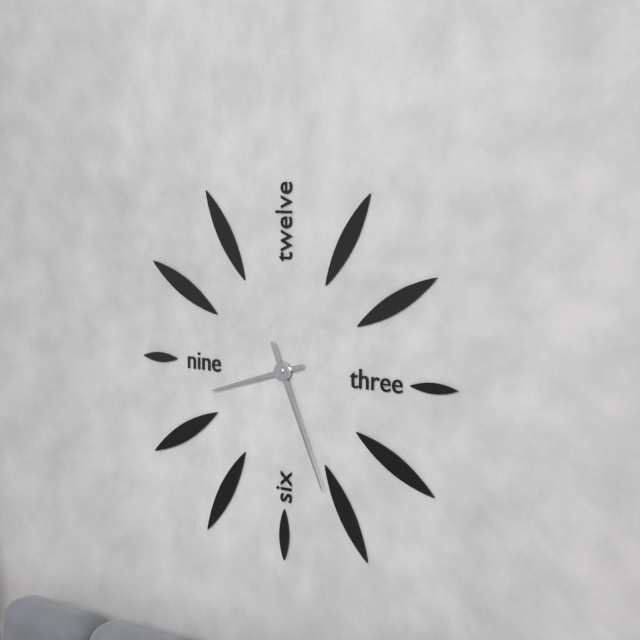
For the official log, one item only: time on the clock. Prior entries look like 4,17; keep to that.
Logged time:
8,26
